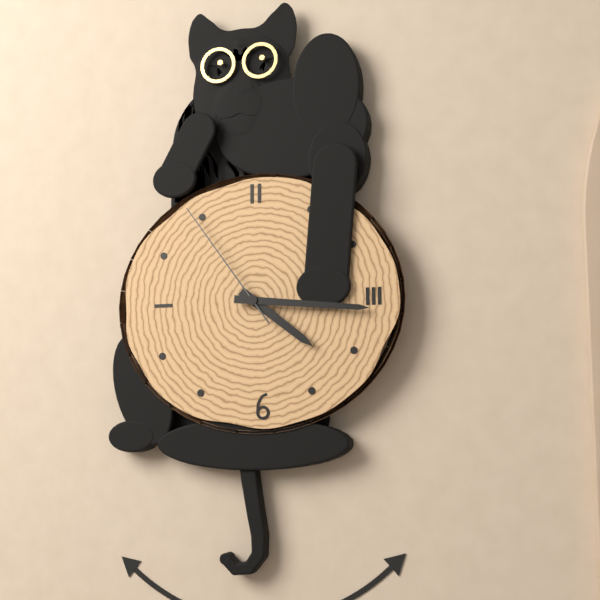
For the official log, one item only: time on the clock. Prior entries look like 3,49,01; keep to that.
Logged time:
4,16,54
